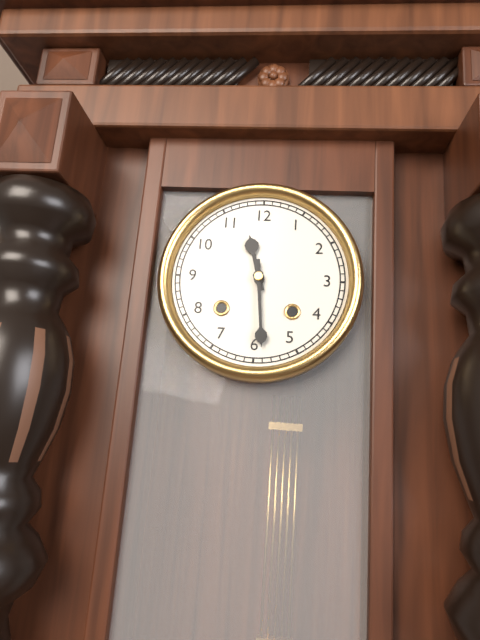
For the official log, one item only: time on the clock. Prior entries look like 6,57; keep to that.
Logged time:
11,29
